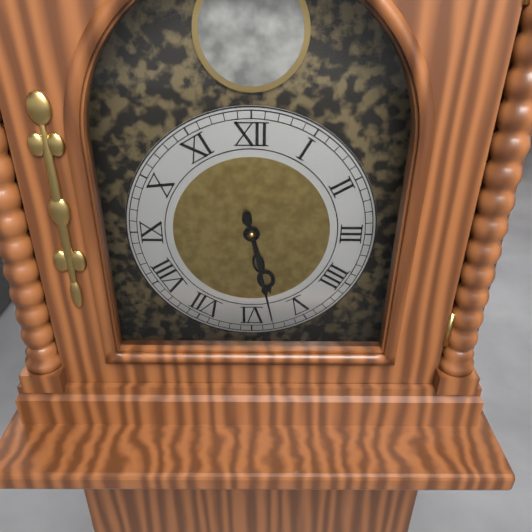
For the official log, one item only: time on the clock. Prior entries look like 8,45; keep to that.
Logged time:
5,28
